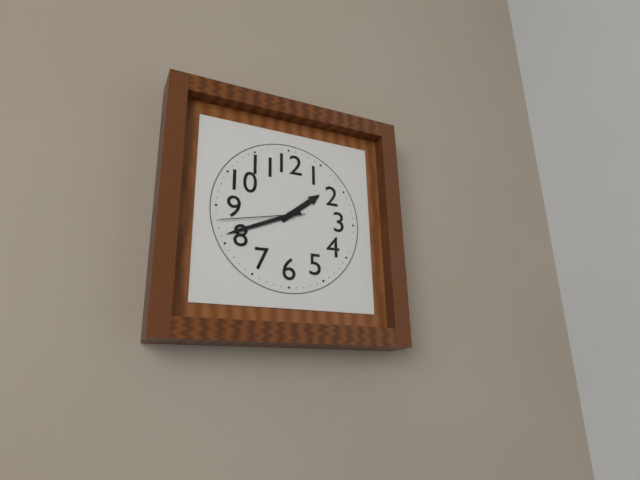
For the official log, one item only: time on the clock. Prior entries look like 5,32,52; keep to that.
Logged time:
1,41,43
